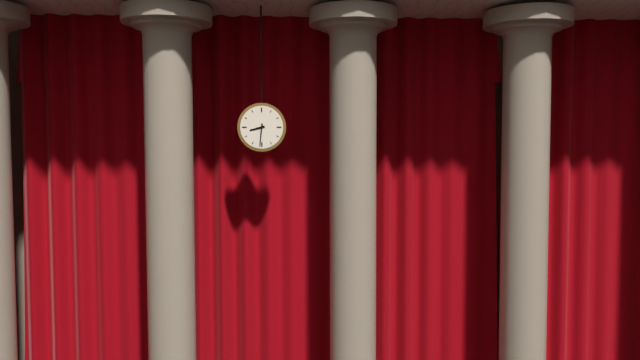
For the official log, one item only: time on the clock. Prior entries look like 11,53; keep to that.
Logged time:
8,31
